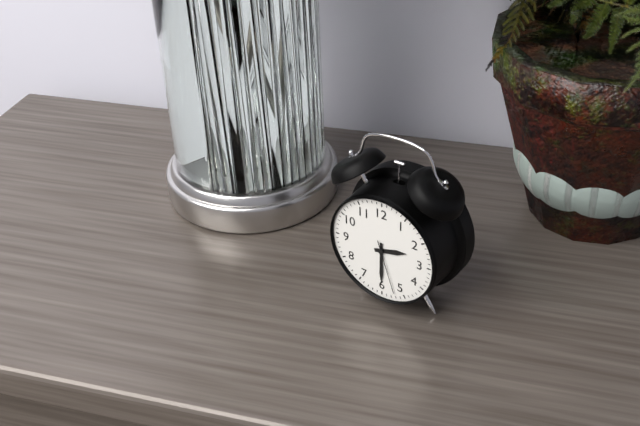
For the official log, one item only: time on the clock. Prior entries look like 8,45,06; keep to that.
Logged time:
2,30,27
